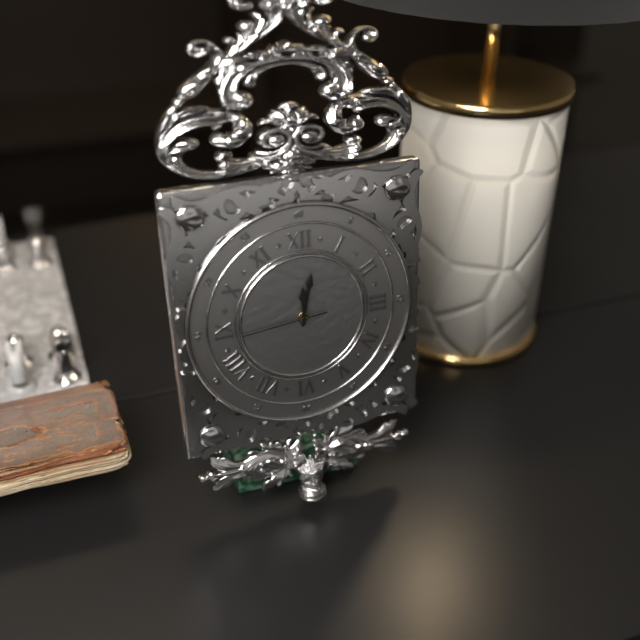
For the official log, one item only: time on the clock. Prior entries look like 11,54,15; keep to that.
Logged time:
12,02,44
